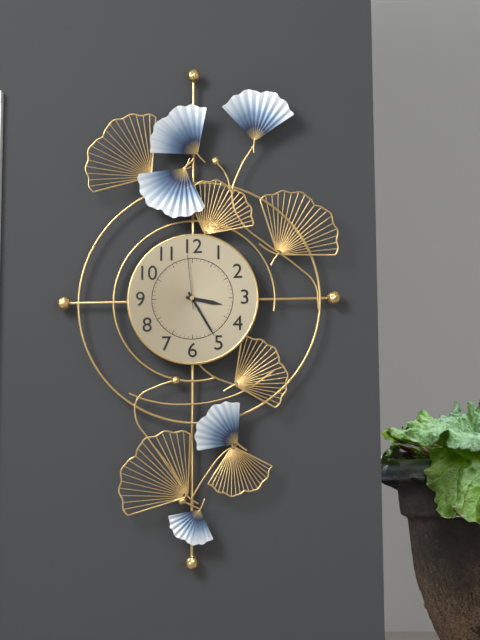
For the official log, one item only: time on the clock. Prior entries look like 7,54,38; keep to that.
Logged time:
3,25,59
